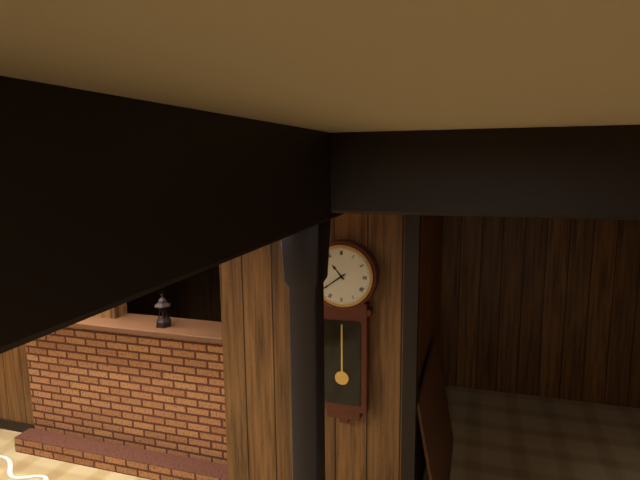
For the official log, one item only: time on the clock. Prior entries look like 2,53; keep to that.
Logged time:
10,39
